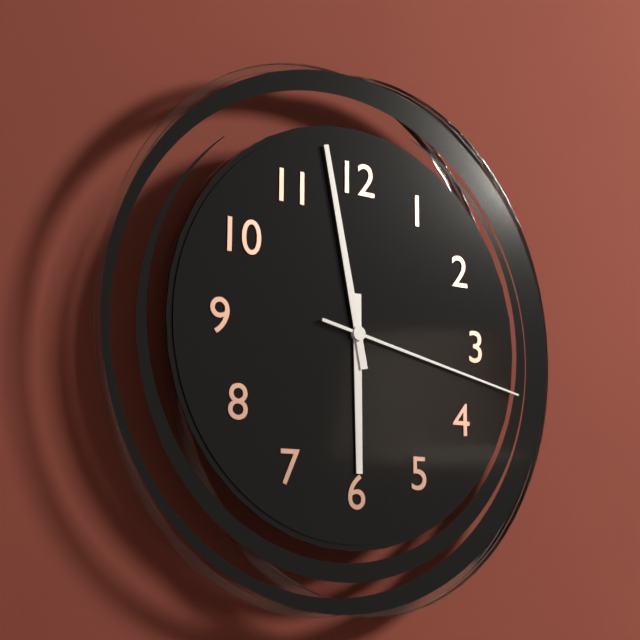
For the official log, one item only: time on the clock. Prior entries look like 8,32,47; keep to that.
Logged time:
5,58,17
